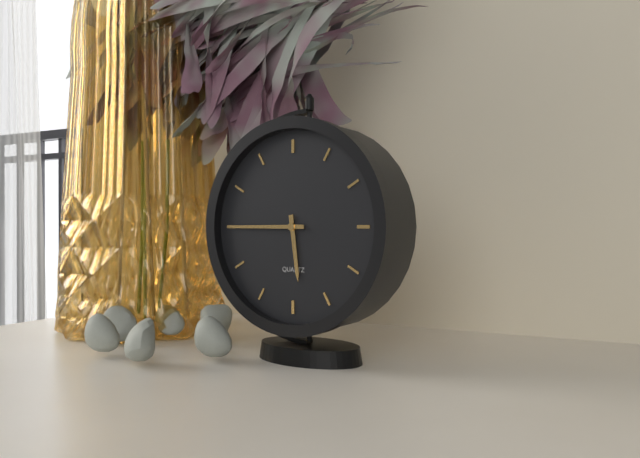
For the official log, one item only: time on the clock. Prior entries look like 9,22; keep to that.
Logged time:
5,45
